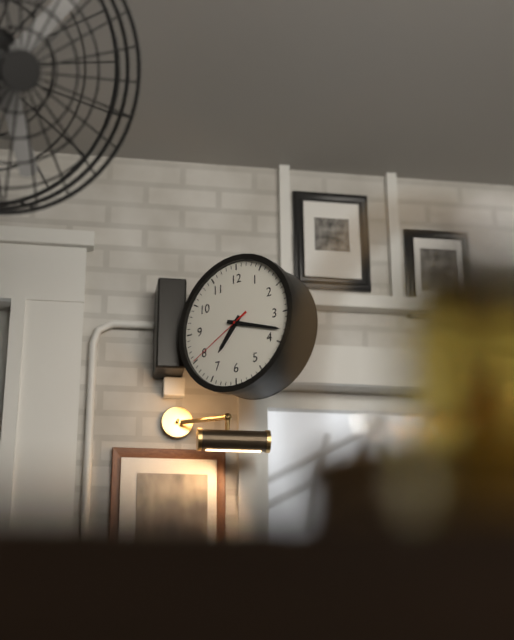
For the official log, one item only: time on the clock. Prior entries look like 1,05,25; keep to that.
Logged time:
7,18,40
